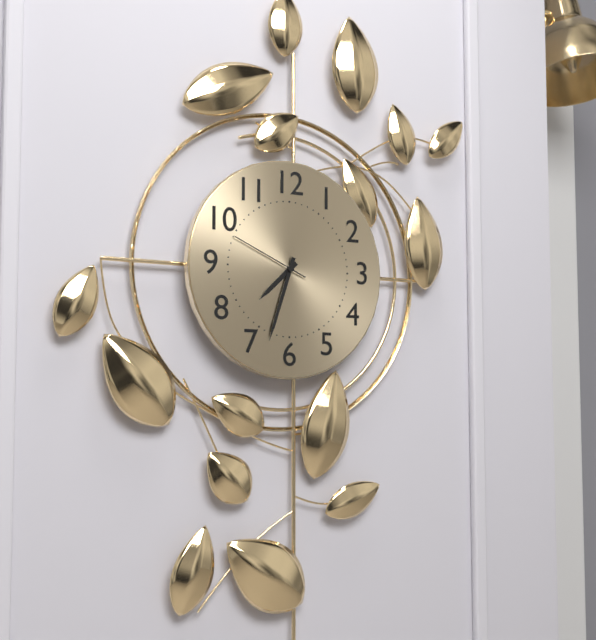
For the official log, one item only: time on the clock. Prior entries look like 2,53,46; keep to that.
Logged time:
7,33,49
